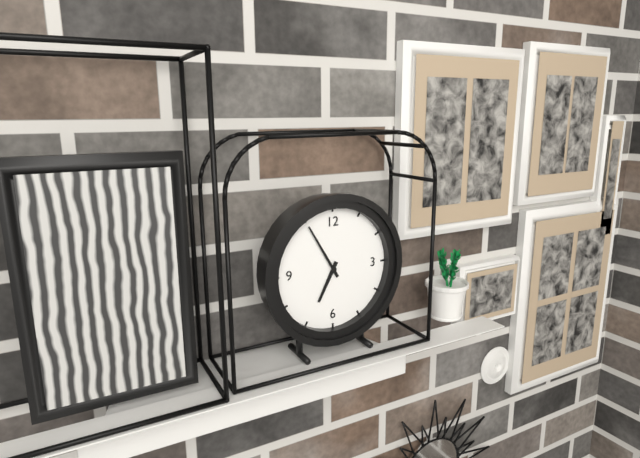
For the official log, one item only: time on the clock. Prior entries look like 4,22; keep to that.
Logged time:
6,55
